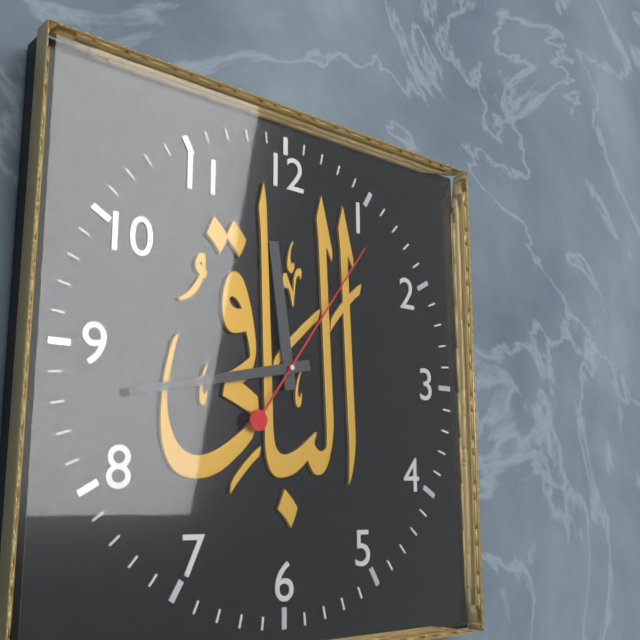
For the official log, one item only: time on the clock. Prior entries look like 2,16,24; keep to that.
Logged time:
11,43,06
